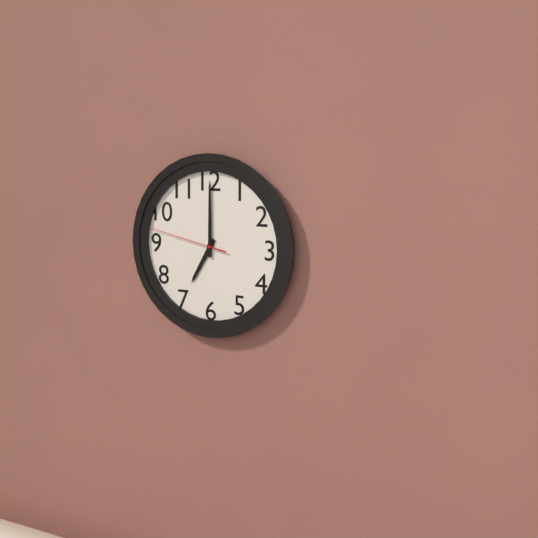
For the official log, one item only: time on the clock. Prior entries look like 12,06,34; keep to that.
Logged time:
7,00,47
